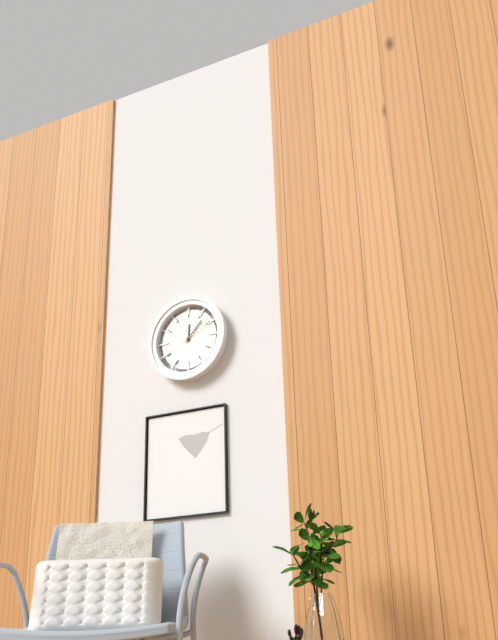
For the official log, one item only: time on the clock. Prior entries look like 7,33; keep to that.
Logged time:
12,07
